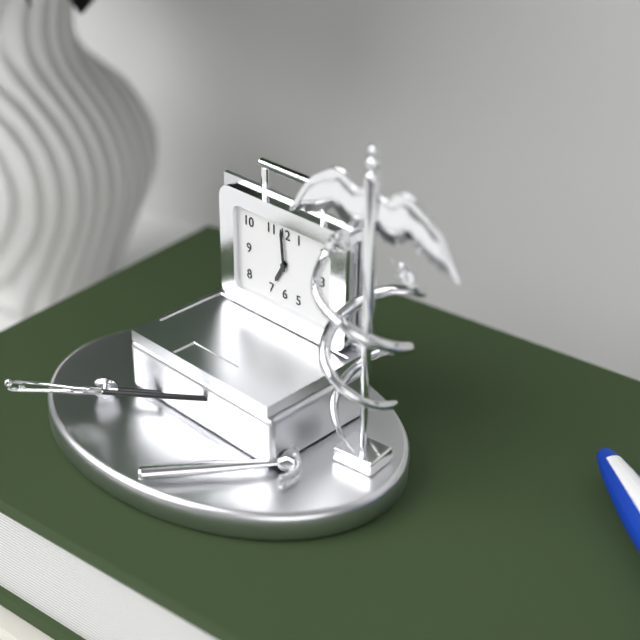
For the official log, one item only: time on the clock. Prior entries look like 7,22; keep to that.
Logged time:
6,59
